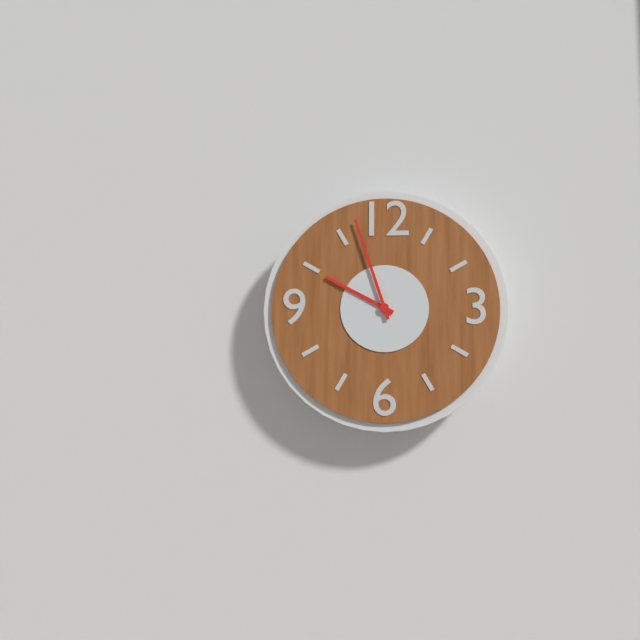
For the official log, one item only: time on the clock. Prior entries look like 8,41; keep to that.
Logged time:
9,57
